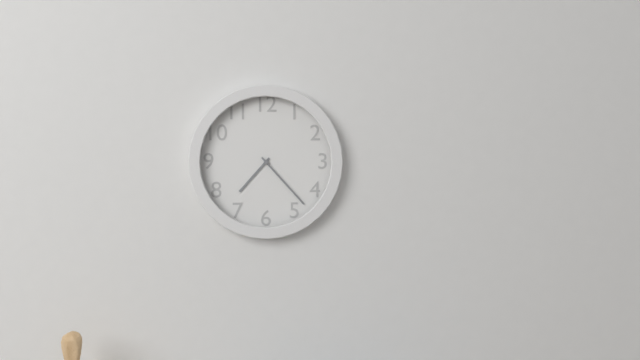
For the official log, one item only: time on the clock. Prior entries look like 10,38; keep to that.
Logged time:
7,23
